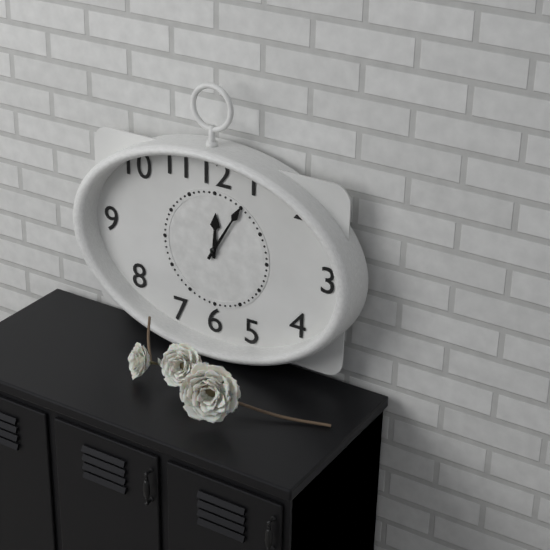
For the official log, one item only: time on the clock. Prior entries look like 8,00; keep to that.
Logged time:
12,05
